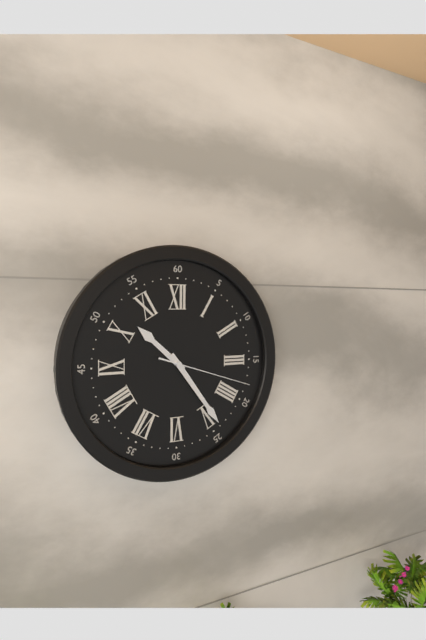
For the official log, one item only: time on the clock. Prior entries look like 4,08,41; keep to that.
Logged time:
10,24,18
